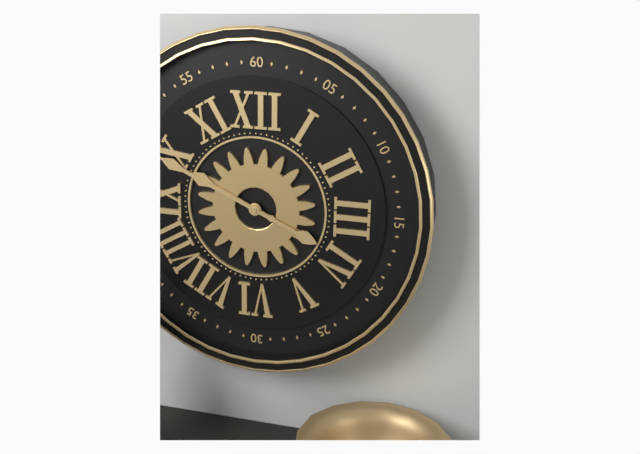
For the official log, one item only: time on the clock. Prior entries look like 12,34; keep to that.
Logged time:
9,49
